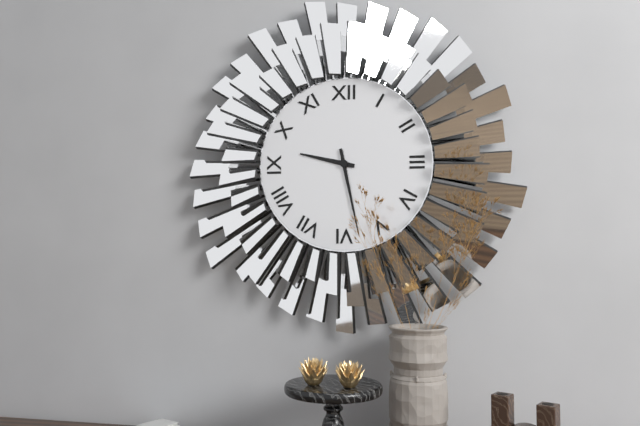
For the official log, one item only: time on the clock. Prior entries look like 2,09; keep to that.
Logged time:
9,28
